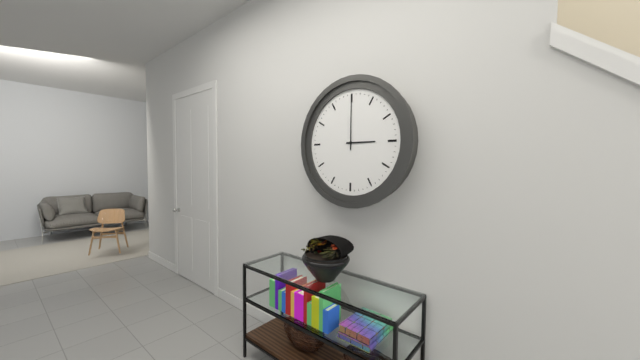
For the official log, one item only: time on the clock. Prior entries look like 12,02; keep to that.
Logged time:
3,00
